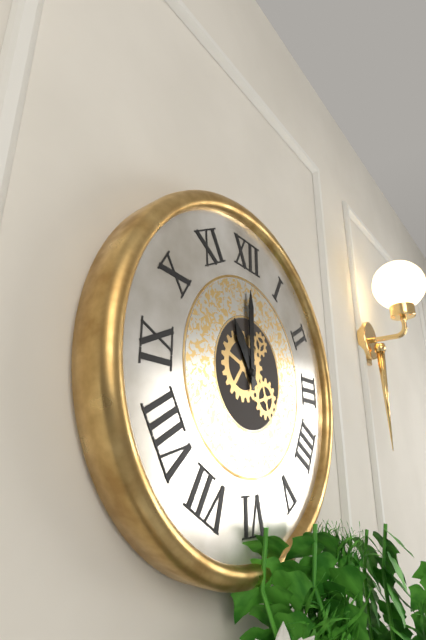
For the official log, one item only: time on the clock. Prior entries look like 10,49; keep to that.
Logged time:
11,00
